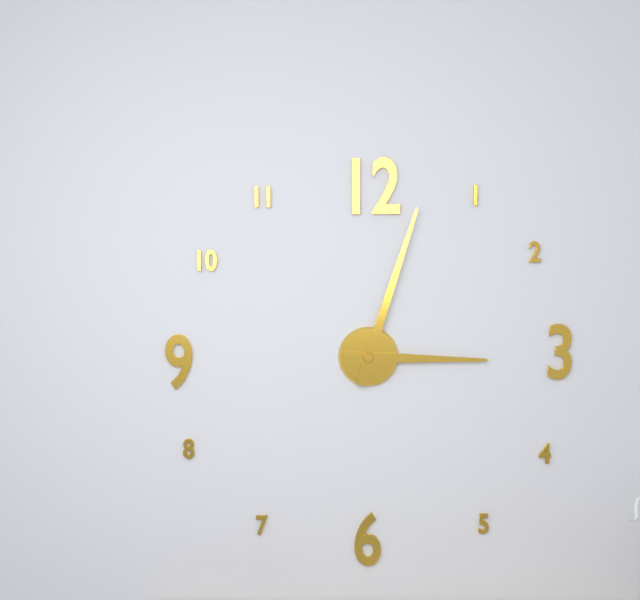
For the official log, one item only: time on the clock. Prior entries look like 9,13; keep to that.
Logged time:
3,03
